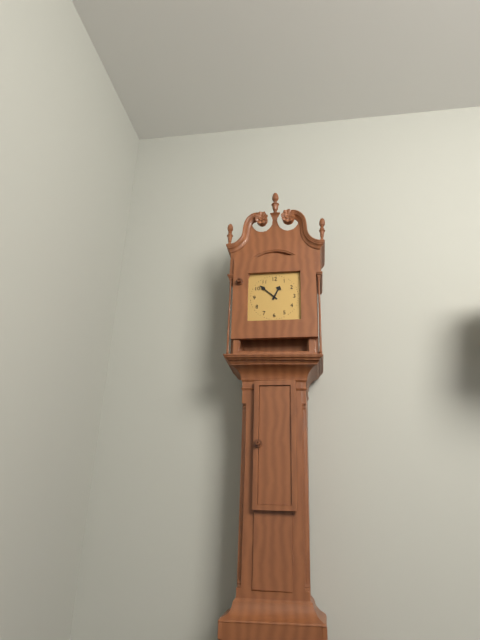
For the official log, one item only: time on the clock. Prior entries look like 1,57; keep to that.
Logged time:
12,52
